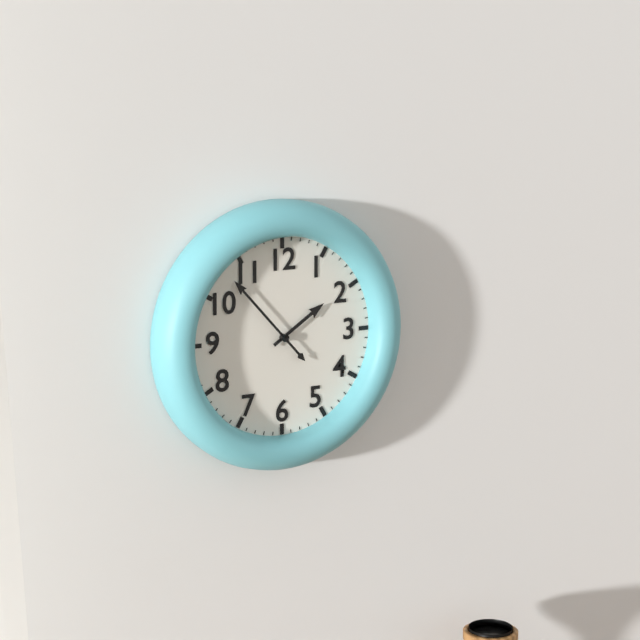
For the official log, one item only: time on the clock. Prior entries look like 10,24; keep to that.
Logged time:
1,53
